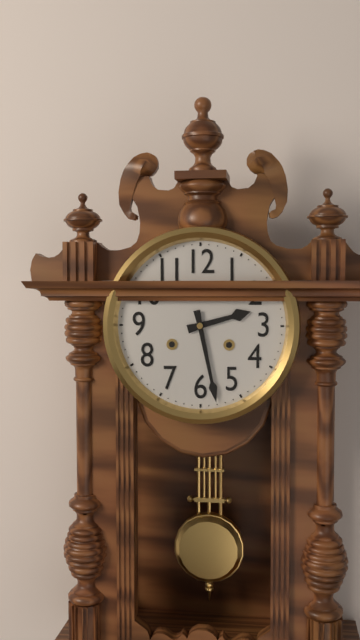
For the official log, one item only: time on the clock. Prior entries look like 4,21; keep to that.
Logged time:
2,28
